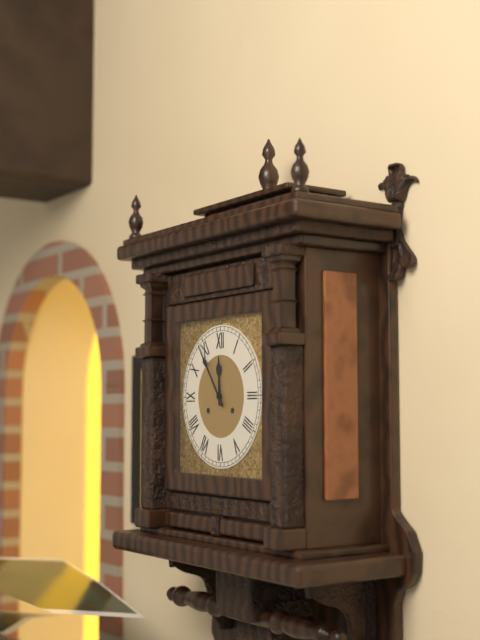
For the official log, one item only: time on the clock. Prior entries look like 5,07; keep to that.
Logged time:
11,54
